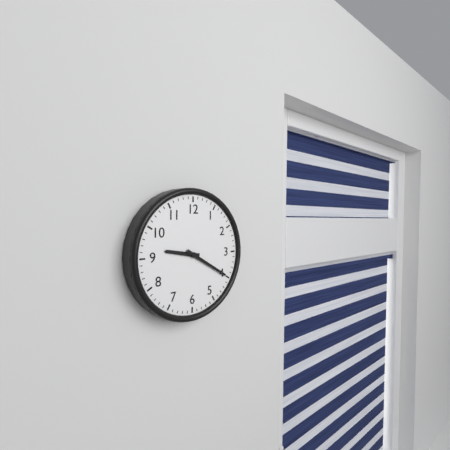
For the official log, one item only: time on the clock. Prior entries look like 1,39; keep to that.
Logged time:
9,20
